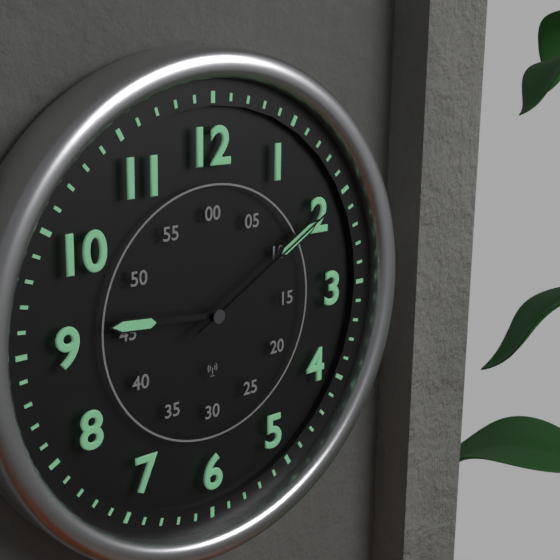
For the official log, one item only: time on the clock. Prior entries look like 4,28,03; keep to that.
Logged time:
9,10,10
